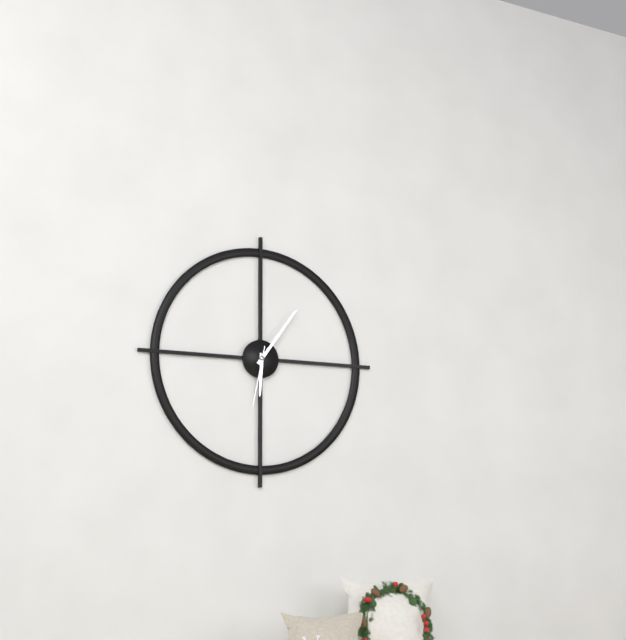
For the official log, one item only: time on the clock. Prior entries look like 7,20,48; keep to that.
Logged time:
6,06,32
